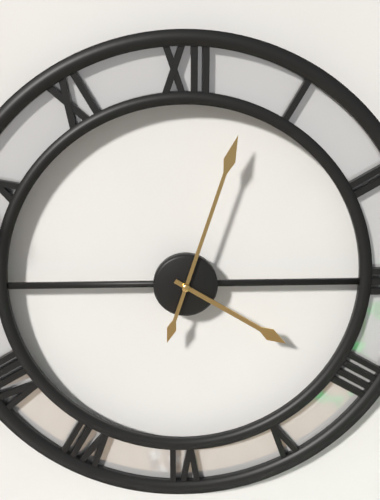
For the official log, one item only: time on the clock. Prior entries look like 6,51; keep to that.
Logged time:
4,03
